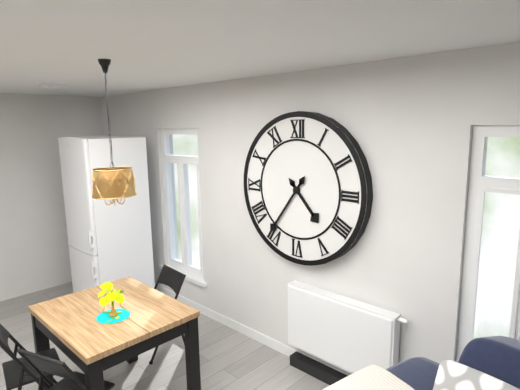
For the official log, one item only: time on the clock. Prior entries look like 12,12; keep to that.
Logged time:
4,36
